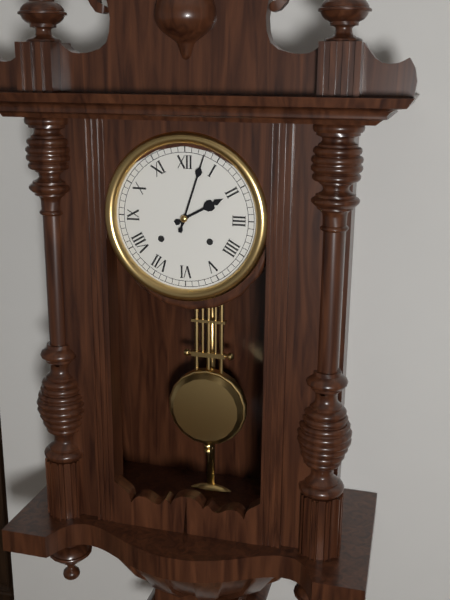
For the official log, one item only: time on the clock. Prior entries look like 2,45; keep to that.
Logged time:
2,03
